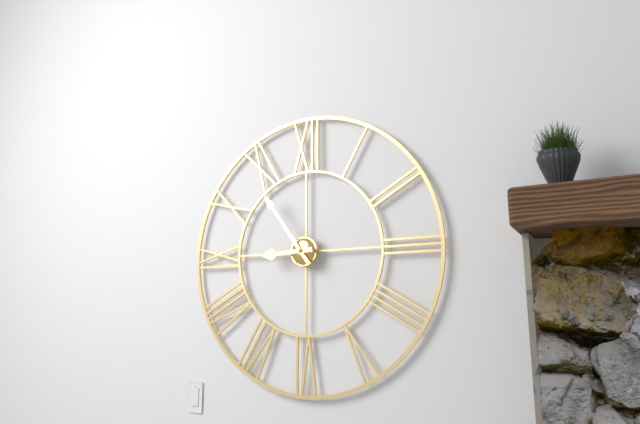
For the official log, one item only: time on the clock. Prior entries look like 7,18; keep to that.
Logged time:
8,54
